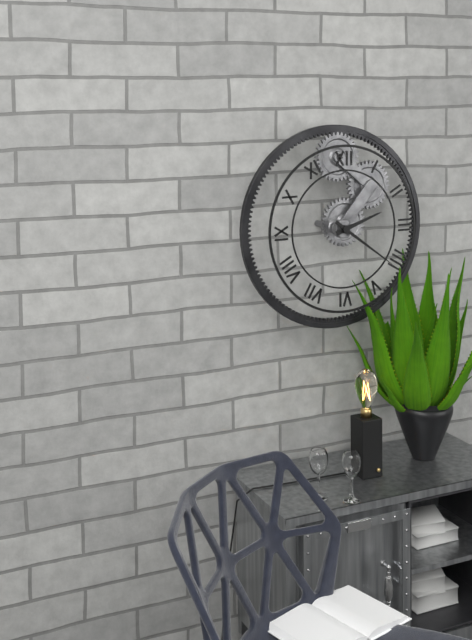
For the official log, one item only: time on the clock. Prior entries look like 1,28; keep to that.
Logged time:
2,21
